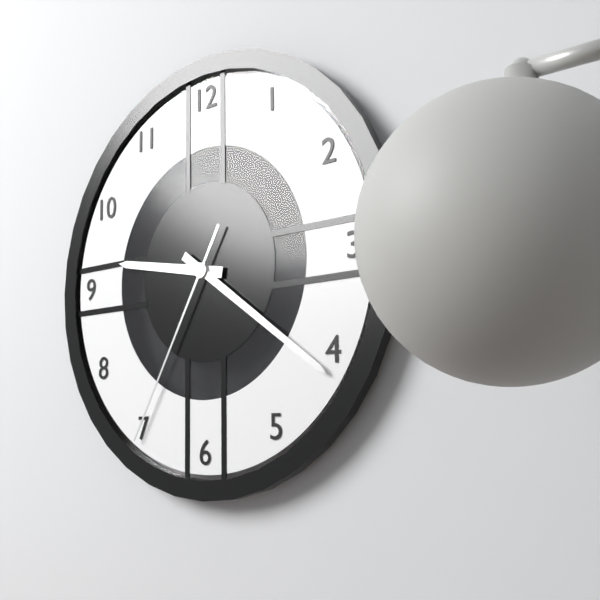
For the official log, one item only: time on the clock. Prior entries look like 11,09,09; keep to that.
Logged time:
9,21,35
